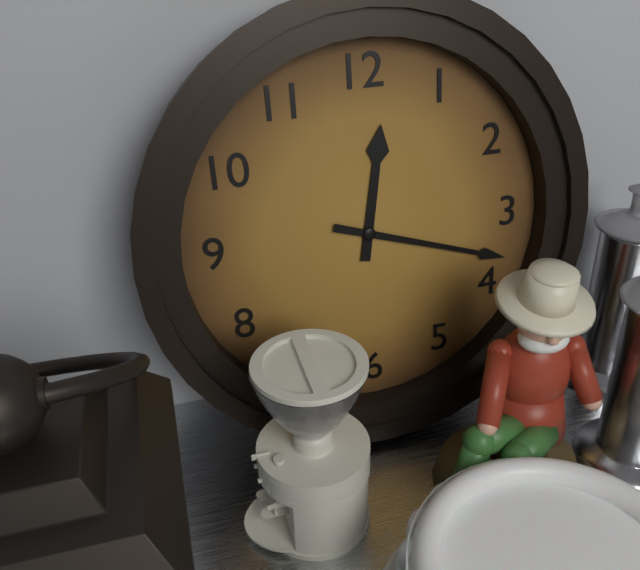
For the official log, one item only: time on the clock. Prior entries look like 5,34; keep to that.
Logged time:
12,18
